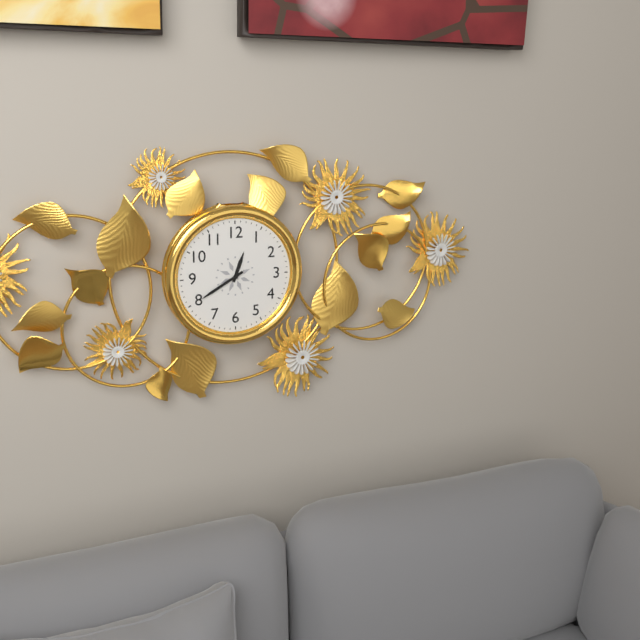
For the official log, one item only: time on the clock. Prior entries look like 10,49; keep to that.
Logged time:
12,40
